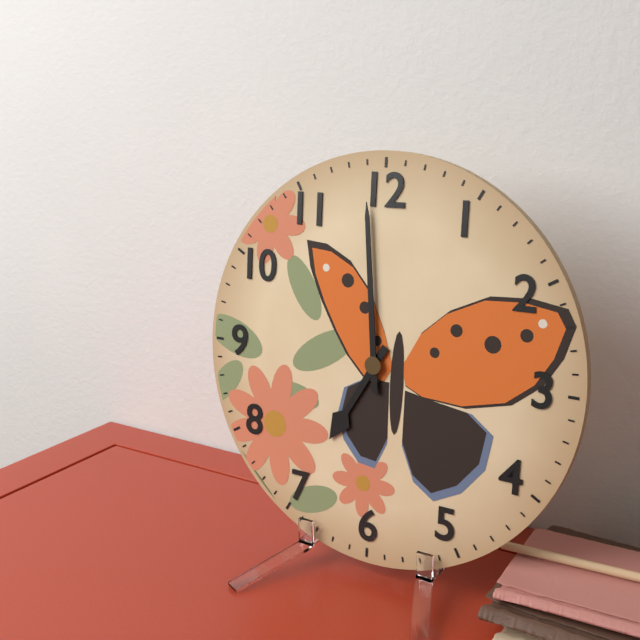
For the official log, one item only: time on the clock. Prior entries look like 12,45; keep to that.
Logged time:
6,59
